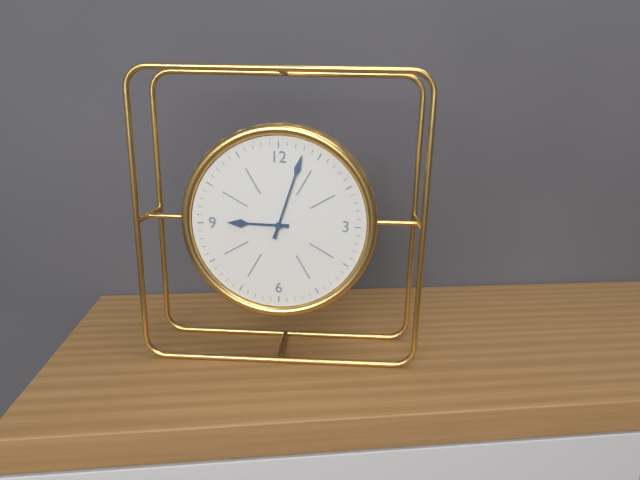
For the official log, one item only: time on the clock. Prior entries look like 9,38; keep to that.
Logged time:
9,03
